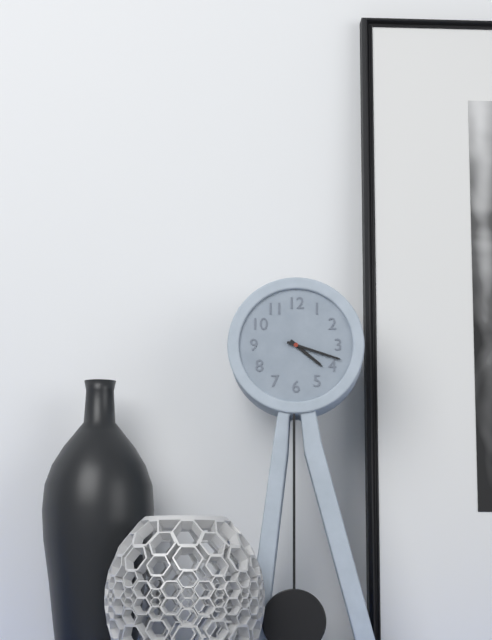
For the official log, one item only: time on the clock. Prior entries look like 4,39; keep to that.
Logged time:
4,18
